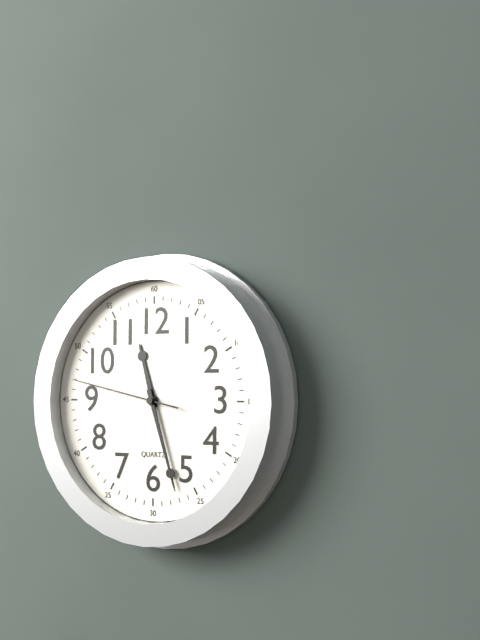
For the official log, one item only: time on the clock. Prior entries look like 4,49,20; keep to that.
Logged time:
11,27,47
